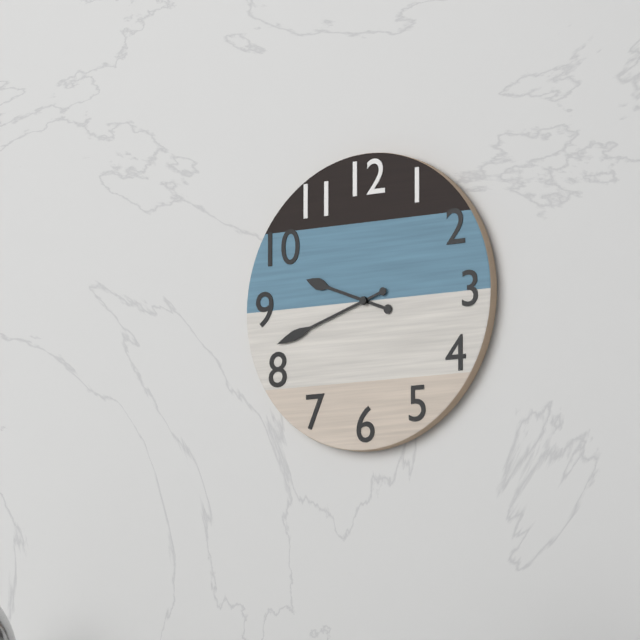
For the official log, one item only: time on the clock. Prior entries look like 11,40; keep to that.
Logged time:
9,42
